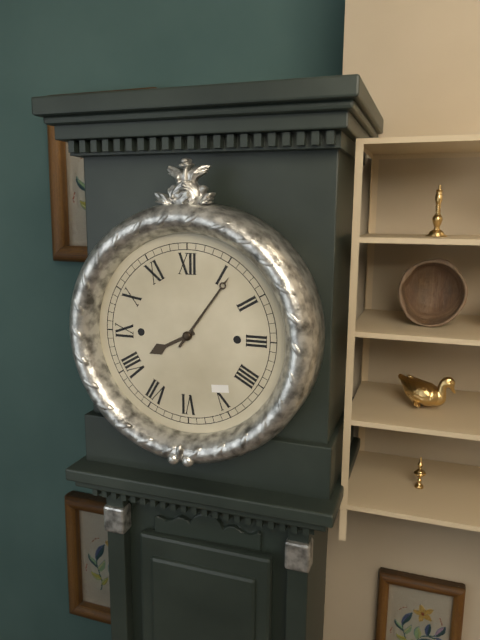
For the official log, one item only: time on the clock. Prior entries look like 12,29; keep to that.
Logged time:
8,06
